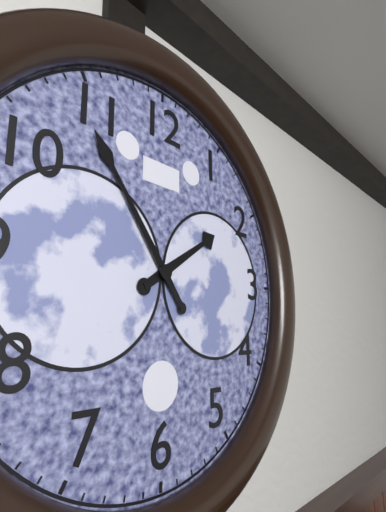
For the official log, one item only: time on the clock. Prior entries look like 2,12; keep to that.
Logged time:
1,54
